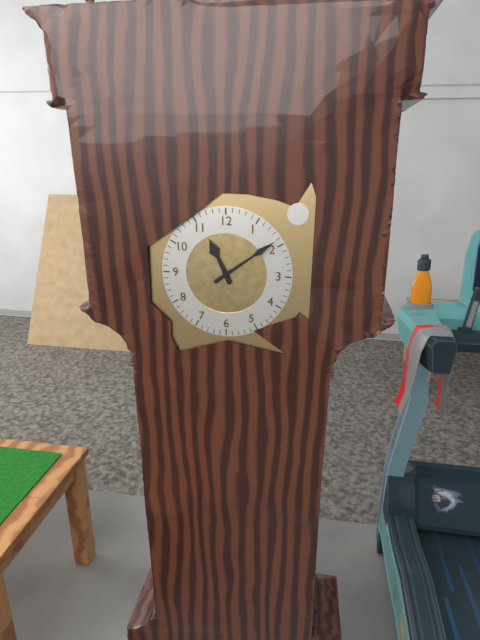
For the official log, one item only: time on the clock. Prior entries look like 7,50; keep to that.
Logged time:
11,09
